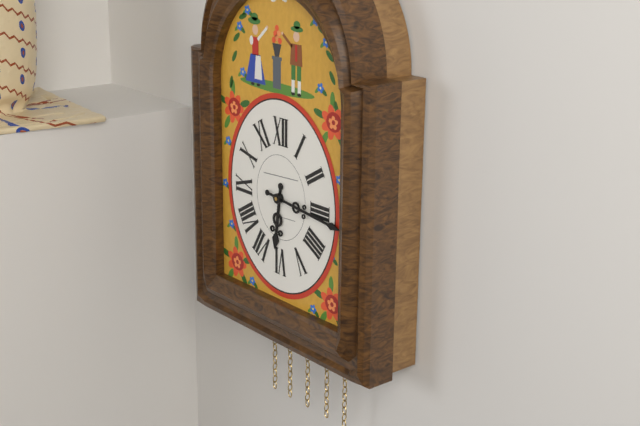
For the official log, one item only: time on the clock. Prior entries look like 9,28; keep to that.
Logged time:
6,16
